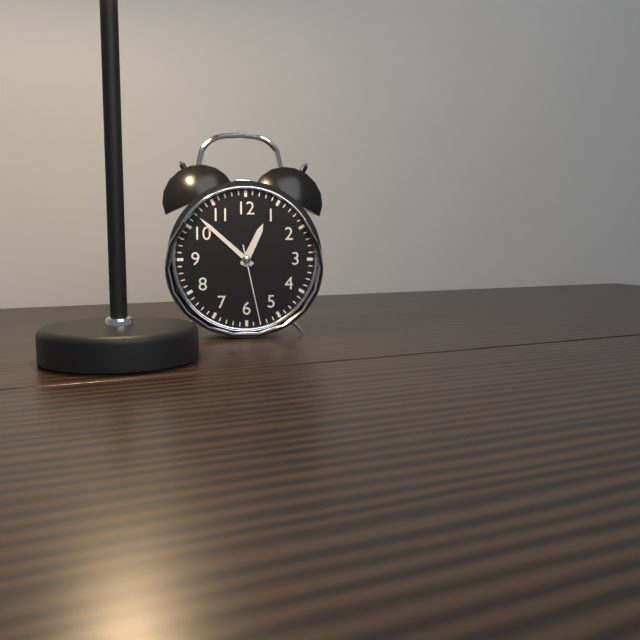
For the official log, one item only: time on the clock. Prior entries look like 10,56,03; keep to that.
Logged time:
12,52,28
